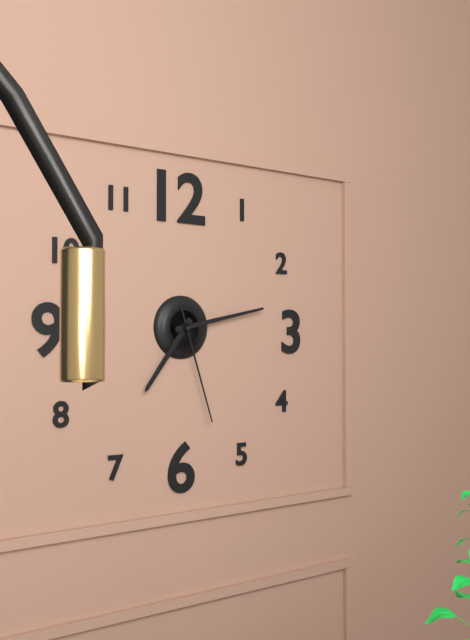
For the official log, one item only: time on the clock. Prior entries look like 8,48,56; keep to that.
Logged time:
7,13,27
